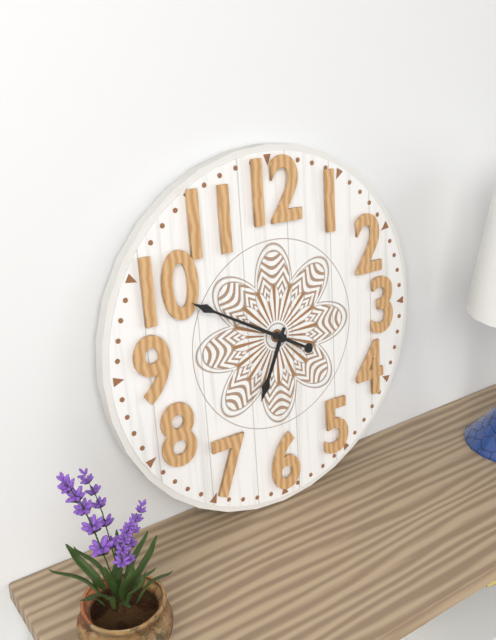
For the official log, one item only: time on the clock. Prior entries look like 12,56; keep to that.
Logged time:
6,50
